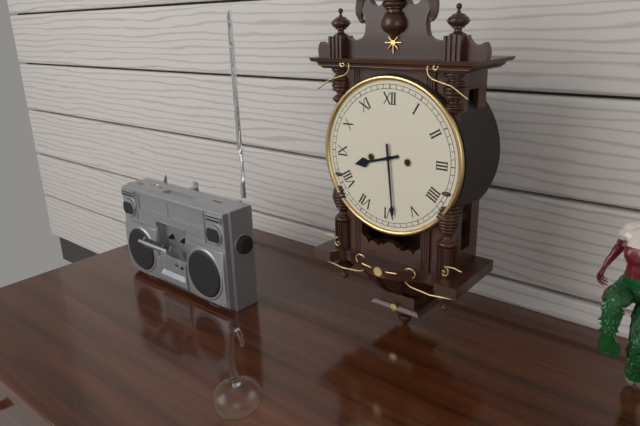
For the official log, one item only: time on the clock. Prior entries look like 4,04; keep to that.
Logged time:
8,29
